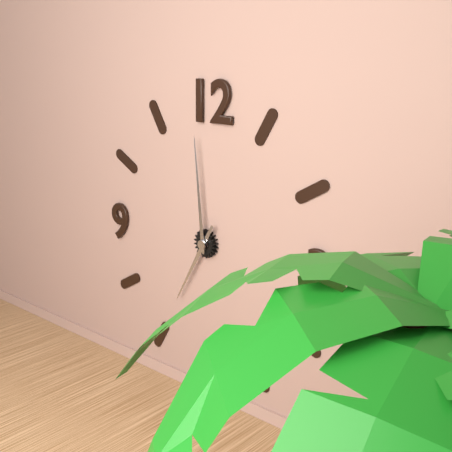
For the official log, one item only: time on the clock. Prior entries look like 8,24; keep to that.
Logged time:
6,59
